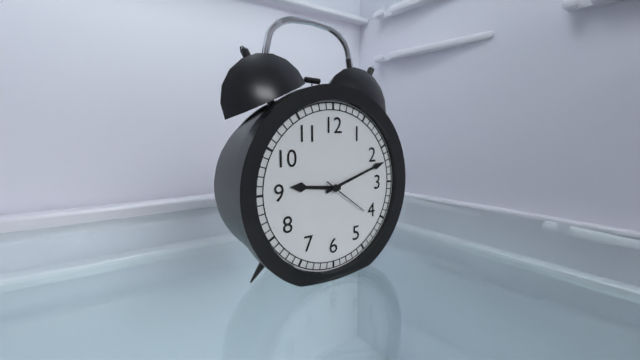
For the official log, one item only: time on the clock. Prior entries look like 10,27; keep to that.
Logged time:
9,12
